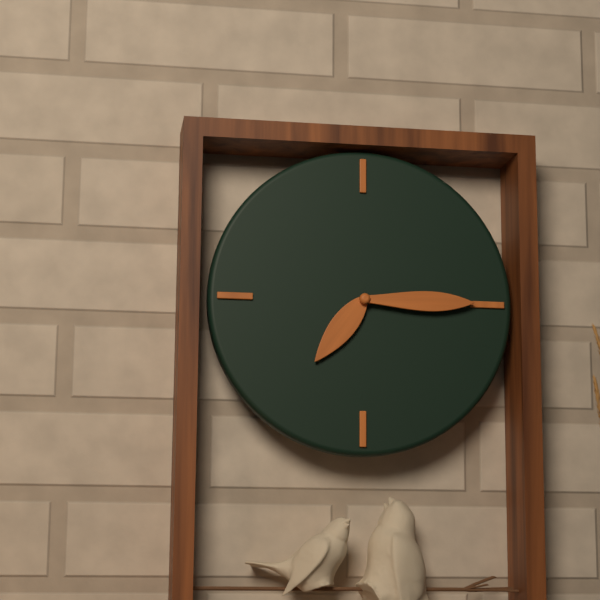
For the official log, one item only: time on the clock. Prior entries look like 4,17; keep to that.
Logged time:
7,15
